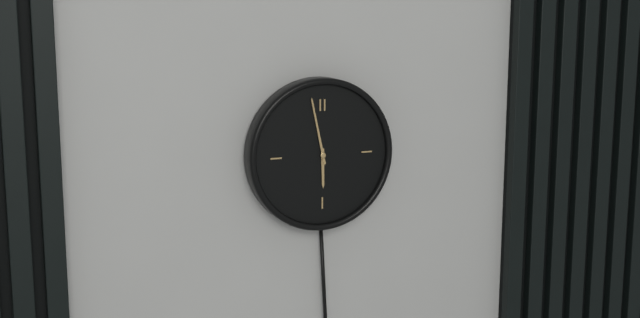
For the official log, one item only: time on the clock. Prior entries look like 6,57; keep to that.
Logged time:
5,58
